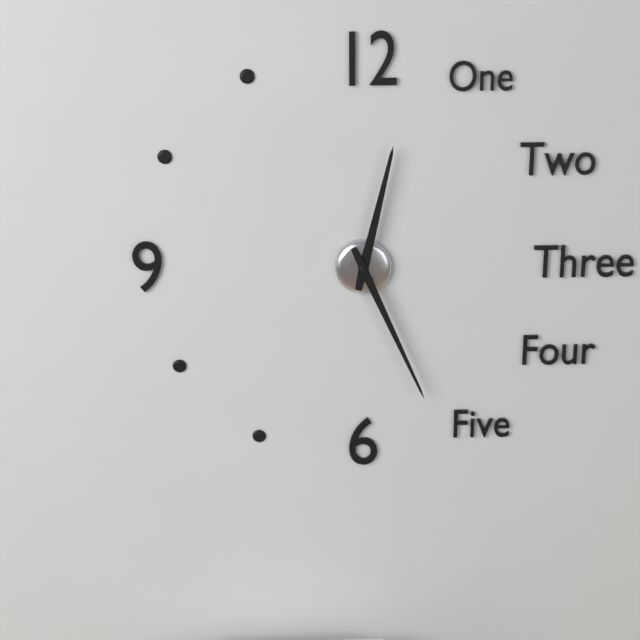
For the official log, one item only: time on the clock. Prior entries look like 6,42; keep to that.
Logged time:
12,26
